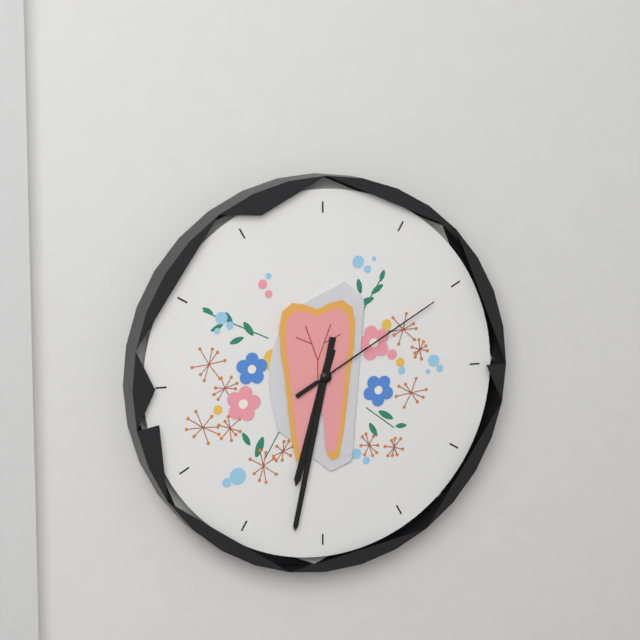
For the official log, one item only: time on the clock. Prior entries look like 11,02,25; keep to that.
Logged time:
6,32,10
